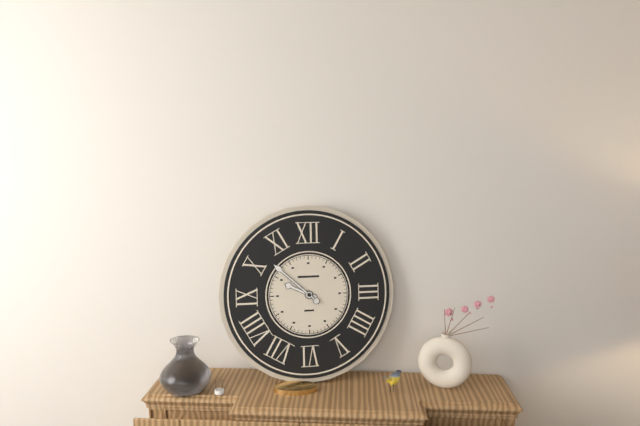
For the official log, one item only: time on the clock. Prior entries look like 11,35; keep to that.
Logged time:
9,52
